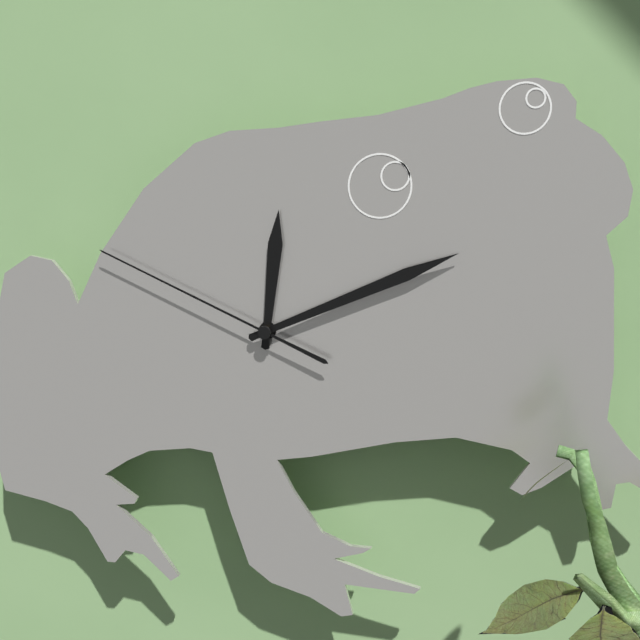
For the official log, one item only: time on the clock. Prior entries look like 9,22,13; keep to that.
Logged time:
12,11,49
